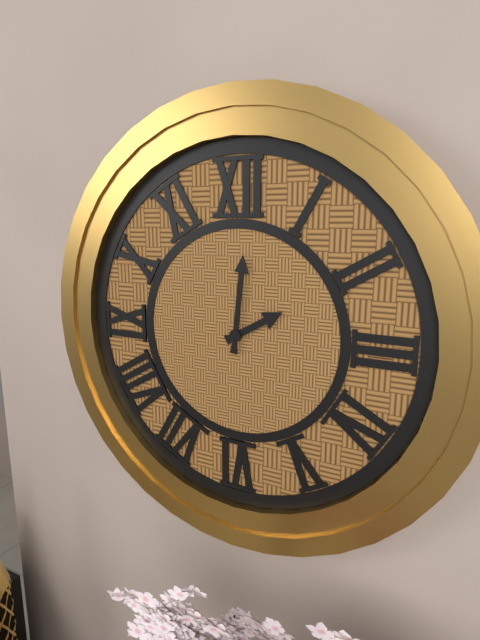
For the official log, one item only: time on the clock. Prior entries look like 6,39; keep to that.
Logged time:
2,01
